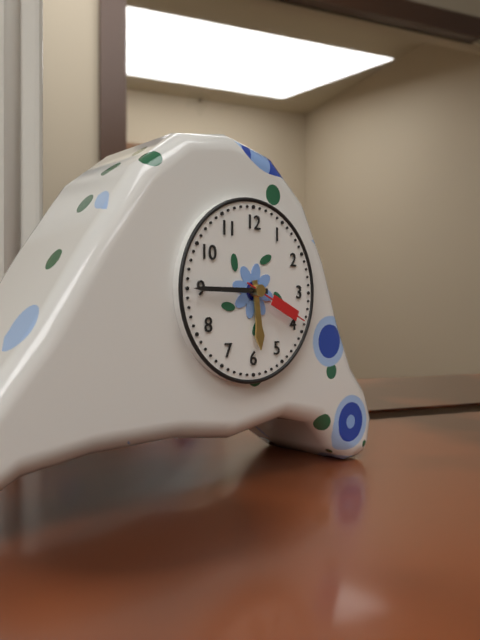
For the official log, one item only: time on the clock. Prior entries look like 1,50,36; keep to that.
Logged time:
5,45,19
